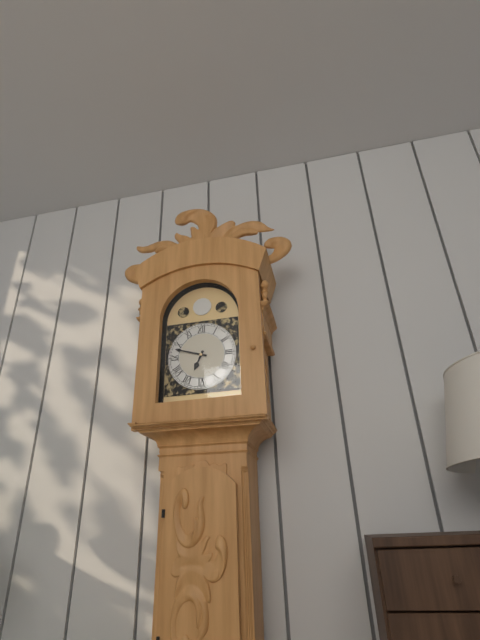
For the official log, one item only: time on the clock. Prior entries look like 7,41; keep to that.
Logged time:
6,48
